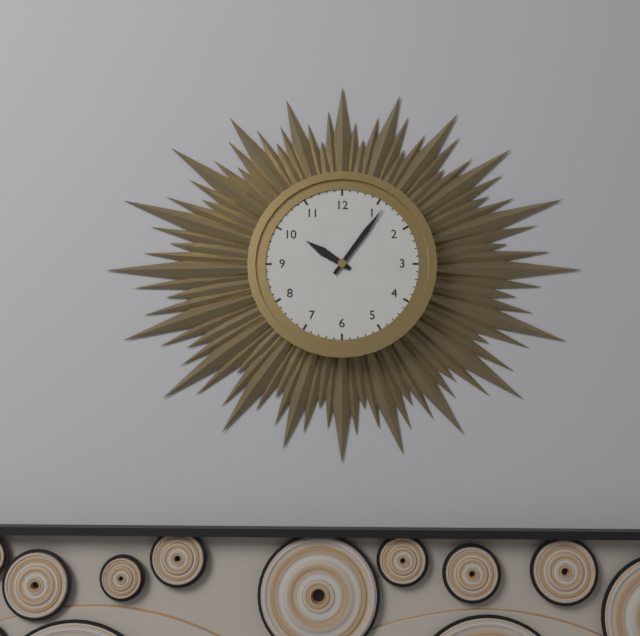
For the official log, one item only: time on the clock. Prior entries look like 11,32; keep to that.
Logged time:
10,06
